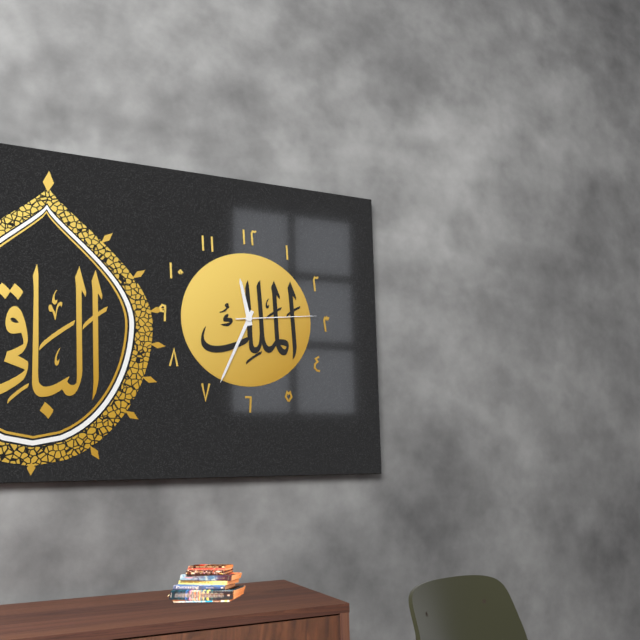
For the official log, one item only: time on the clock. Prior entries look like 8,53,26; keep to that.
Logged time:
11,34,14
